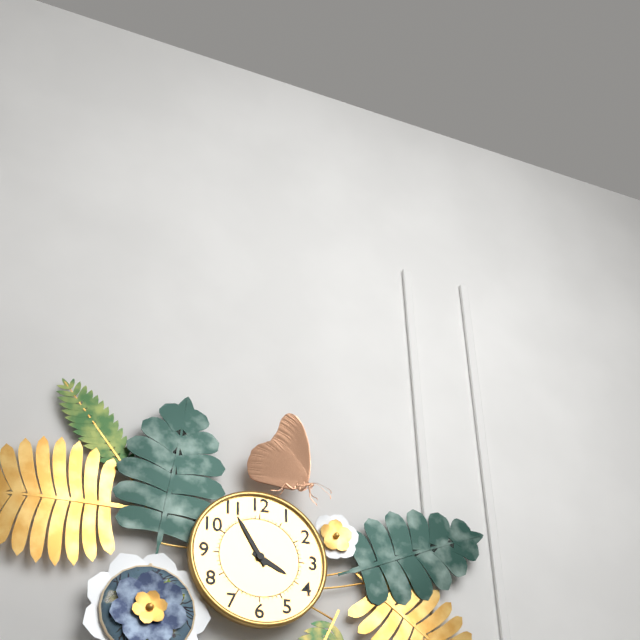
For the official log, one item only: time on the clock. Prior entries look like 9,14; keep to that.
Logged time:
3,55
